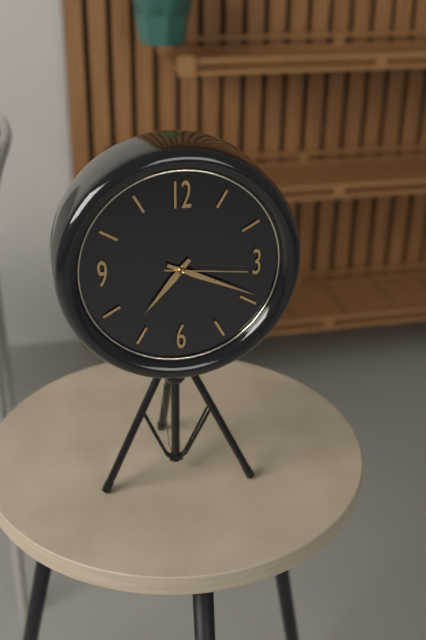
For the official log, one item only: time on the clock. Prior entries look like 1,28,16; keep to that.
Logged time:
7,19,16
